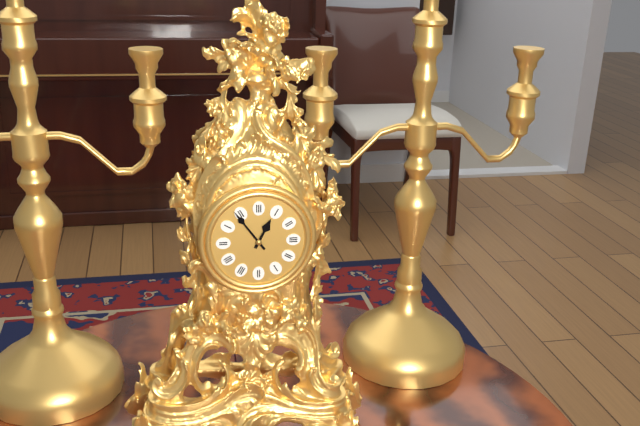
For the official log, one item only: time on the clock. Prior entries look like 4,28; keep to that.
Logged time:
12,54
